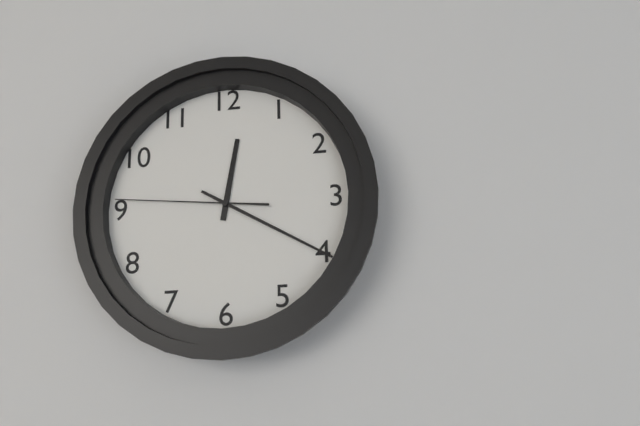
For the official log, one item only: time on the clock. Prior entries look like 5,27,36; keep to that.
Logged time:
12,20,46
